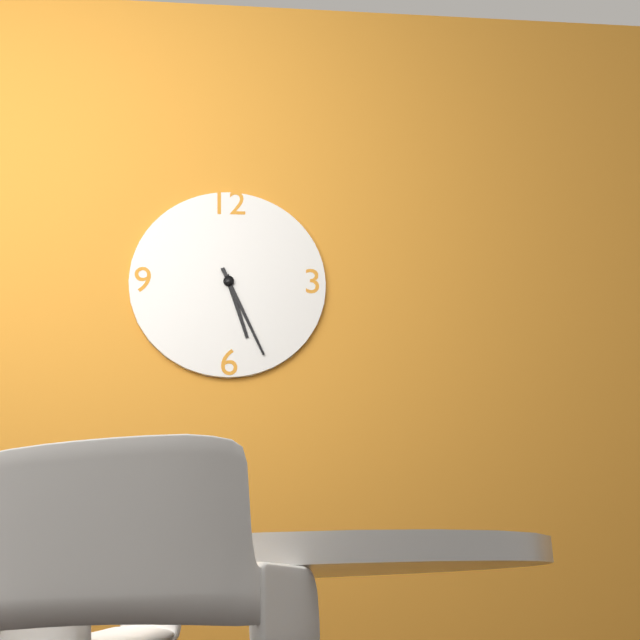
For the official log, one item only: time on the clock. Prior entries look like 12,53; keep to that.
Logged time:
5,26
